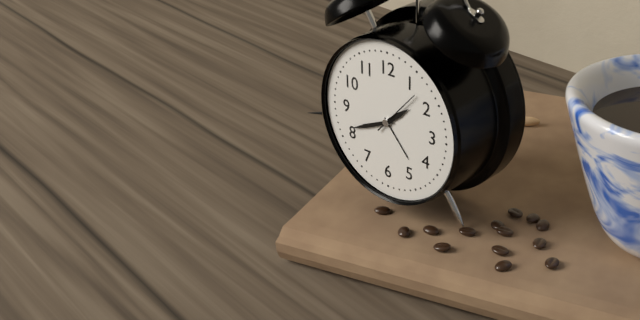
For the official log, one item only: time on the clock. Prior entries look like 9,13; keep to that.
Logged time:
1,41
